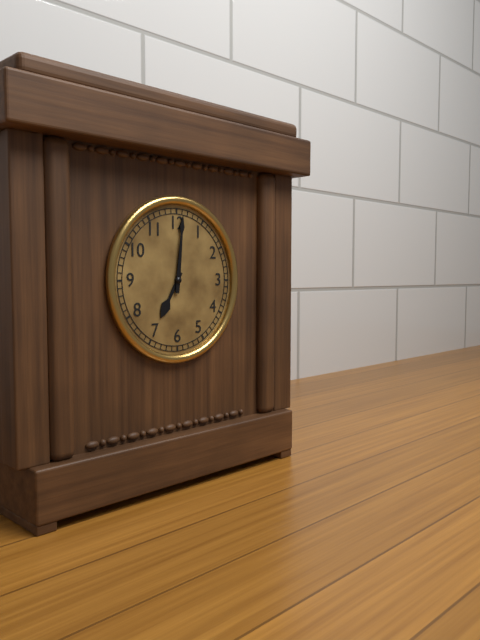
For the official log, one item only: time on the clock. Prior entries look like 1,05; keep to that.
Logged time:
7,01
